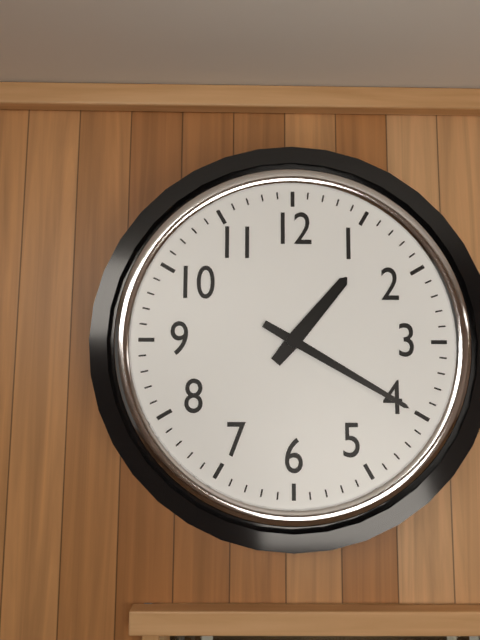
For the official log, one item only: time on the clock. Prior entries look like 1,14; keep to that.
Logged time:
1,20
